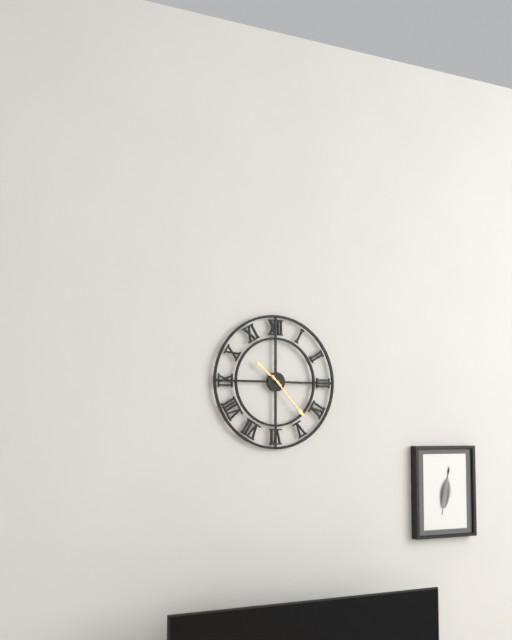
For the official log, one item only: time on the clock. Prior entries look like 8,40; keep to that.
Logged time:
10,23
